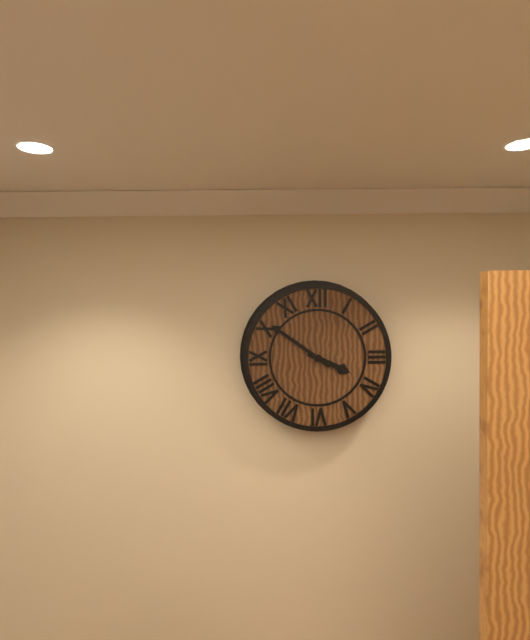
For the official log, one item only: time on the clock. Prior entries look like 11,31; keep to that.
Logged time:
3,51
